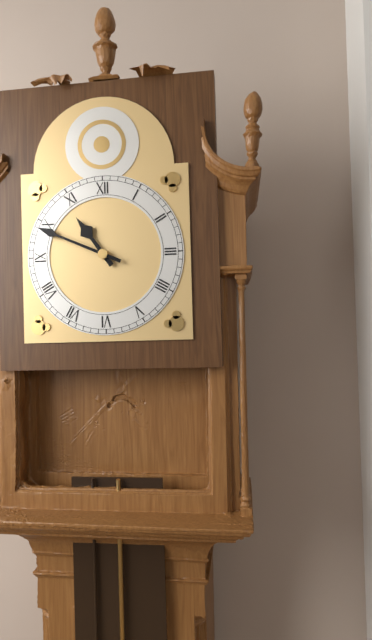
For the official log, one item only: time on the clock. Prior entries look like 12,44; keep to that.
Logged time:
10,49
